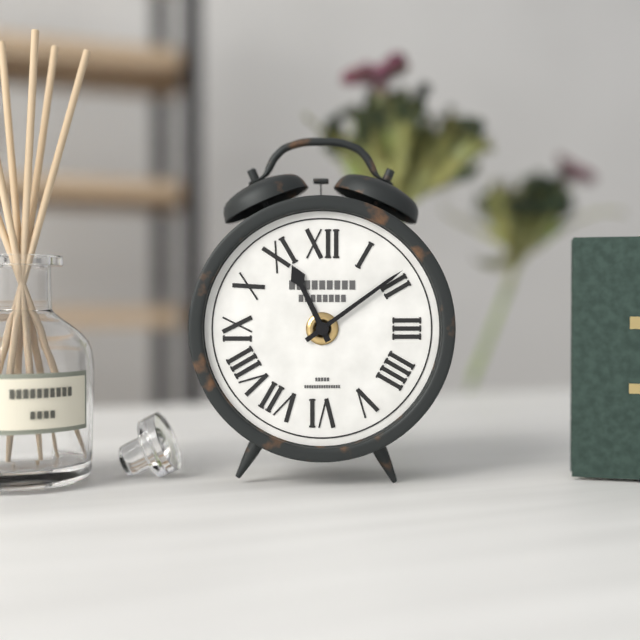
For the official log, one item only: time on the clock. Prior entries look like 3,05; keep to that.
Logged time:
11,09
